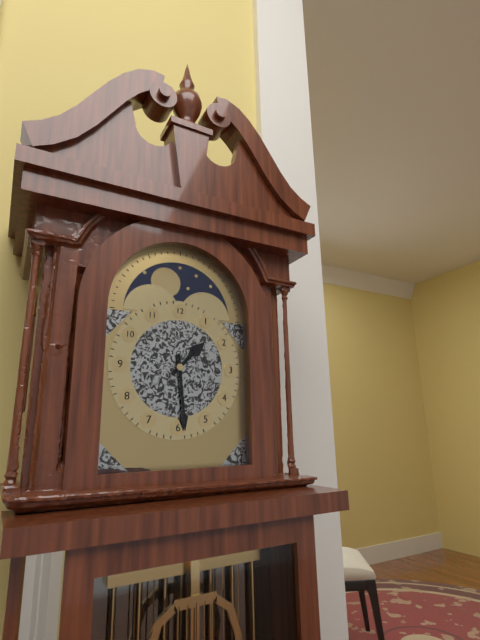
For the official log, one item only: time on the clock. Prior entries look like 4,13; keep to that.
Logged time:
1,29
